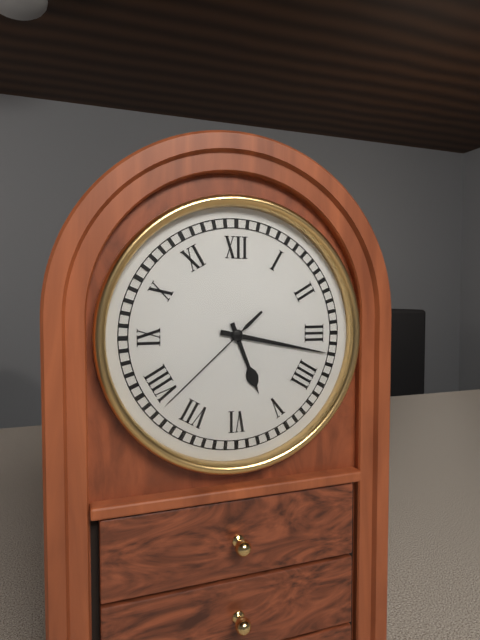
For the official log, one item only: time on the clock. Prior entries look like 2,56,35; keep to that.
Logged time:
5,17,38
